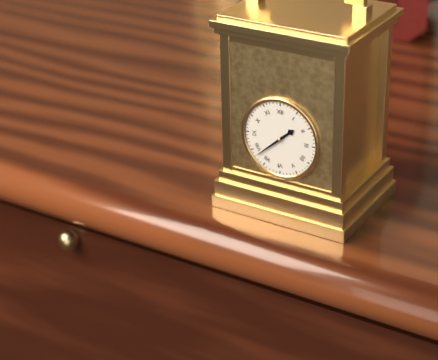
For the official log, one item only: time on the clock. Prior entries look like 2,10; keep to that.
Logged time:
1,38
